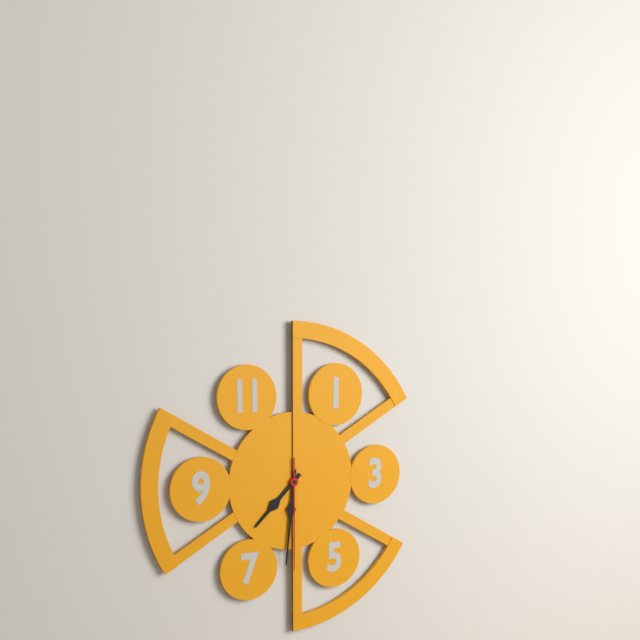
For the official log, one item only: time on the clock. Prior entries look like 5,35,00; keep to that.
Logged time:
7,31,30
